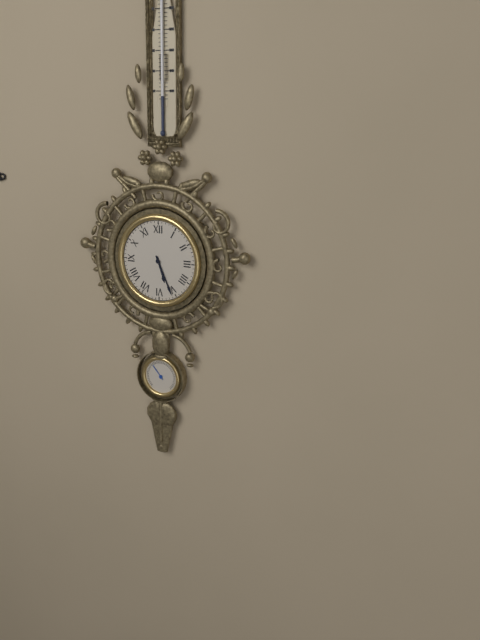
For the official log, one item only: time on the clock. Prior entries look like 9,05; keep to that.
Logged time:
5,26
